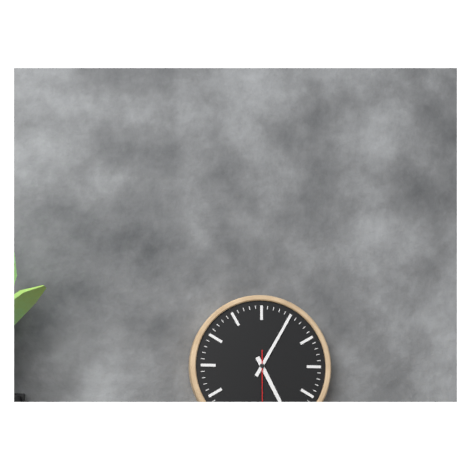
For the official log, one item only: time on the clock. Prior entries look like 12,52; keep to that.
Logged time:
5,05
